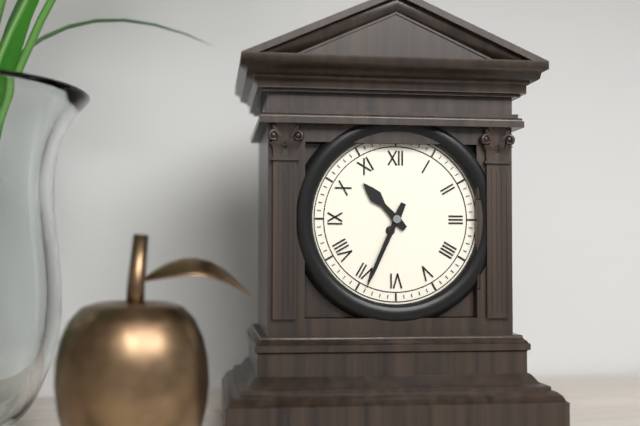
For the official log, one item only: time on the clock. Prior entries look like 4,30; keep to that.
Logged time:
10,34
